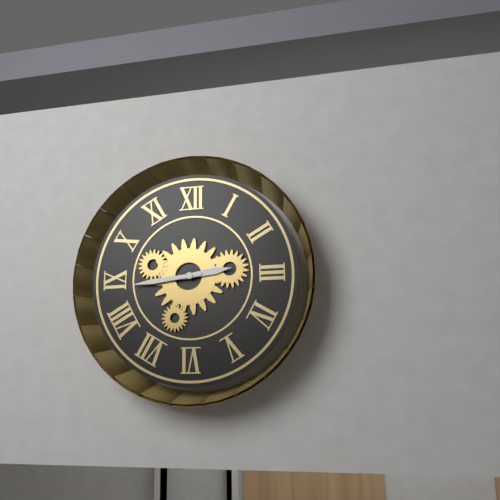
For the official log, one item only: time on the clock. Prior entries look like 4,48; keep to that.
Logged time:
2,44
